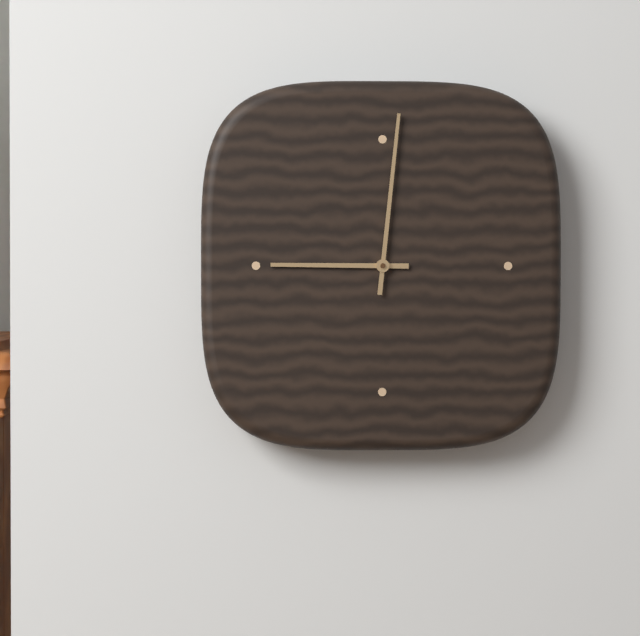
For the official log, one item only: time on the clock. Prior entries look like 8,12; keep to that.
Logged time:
9,01
